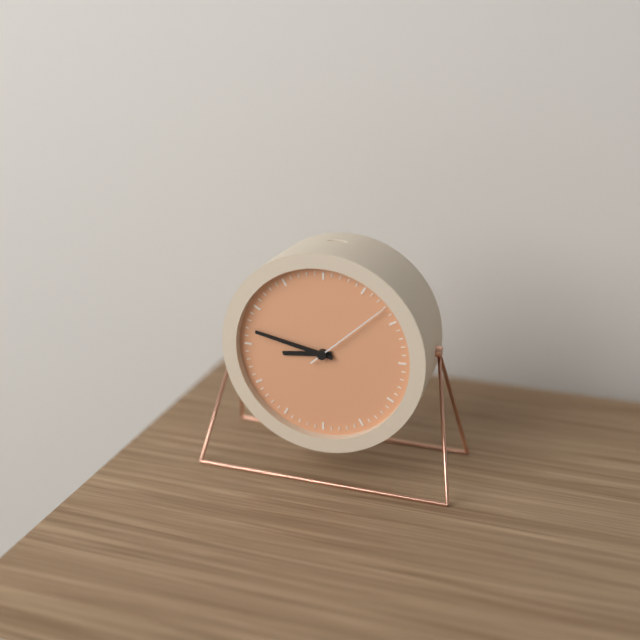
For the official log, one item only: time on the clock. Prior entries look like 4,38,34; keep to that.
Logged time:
8,47,08
